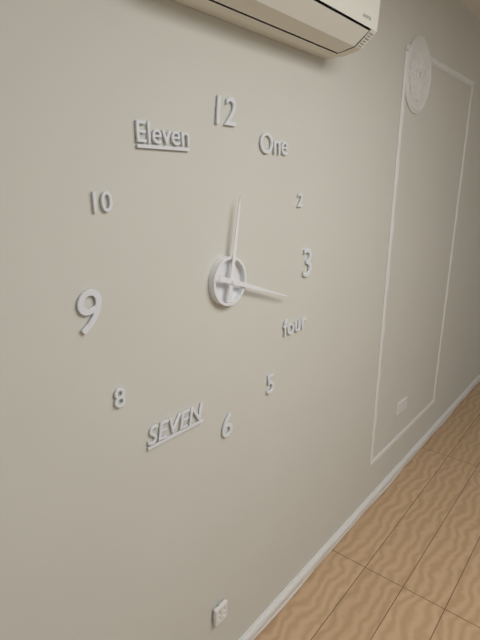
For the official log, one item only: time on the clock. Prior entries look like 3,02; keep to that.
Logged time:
12,18
